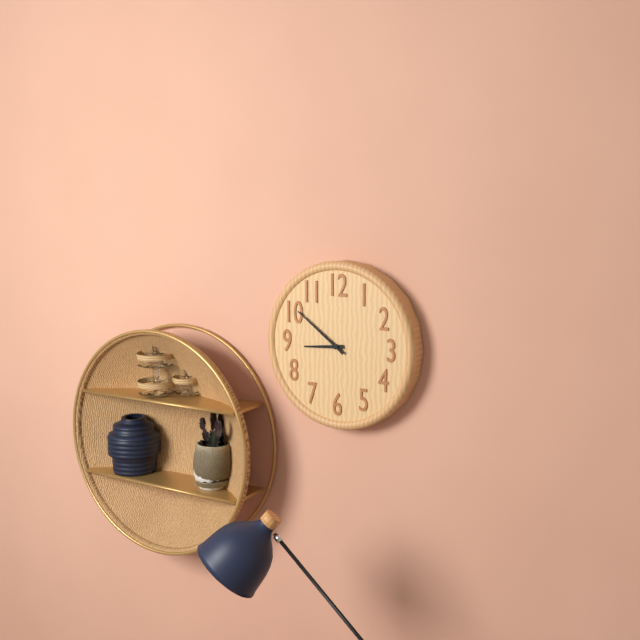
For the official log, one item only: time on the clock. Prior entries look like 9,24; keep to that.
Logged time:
8,51
